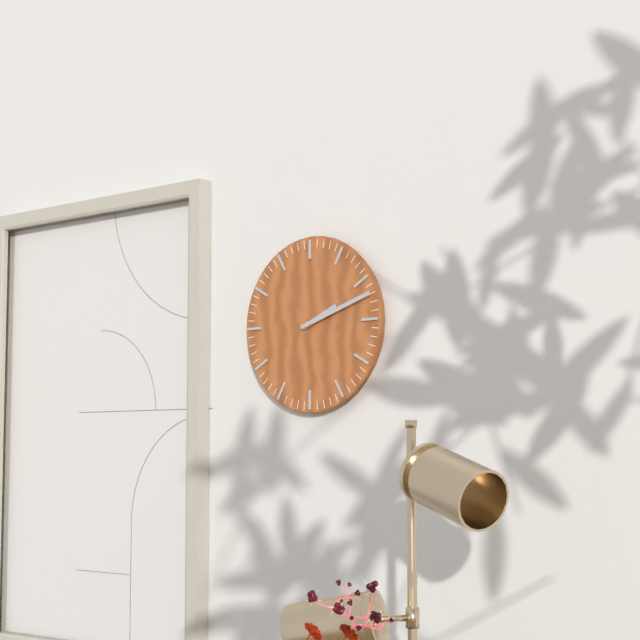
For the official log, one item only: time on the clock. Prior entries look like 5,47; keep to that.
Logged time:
2,12
